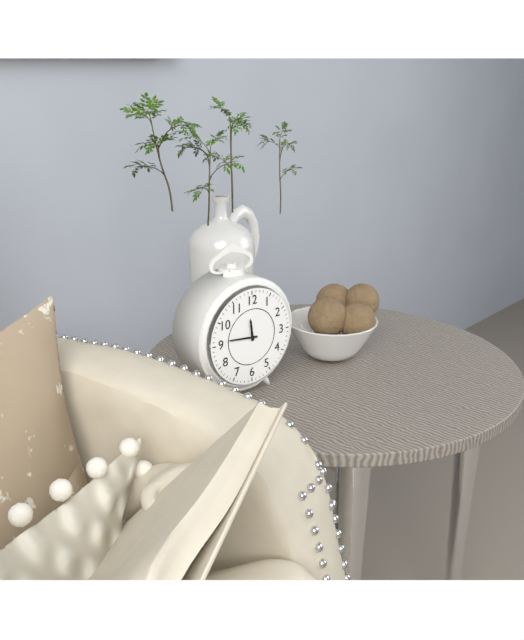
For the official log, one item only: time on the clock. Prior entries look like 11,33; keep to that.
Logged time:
11,46
